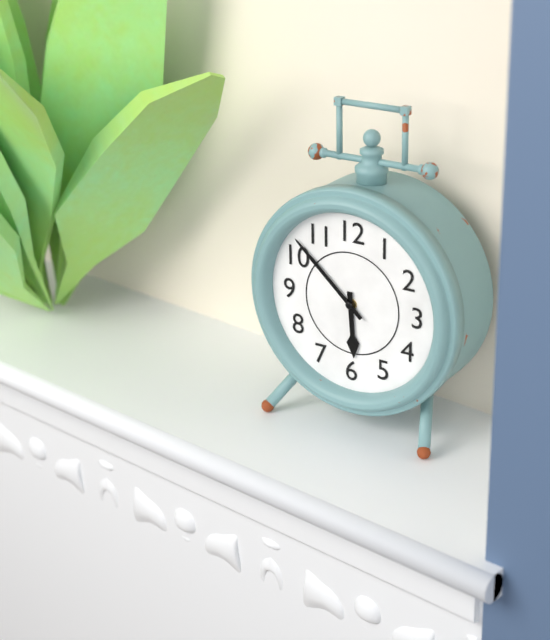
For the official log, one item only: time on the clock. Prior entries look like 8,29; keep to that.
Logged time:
5,52
